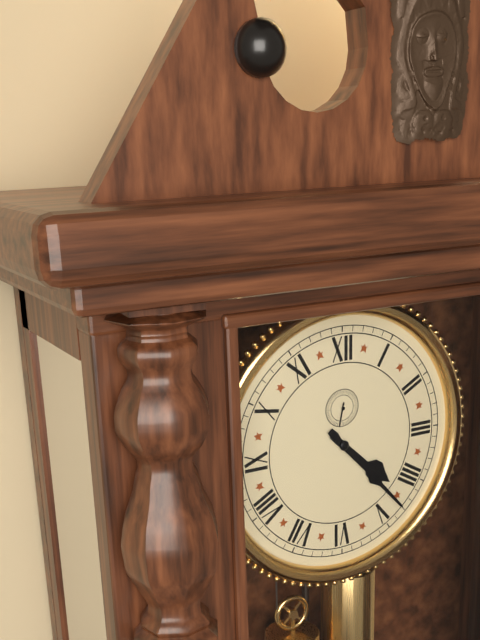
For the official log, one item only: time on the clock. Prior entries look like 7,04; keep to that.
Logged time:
4,23
